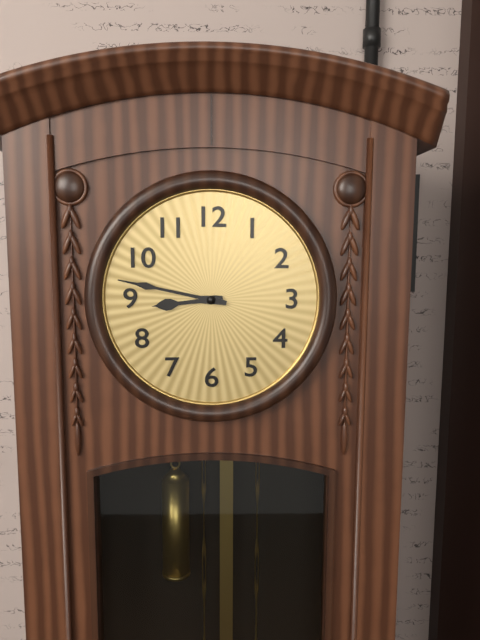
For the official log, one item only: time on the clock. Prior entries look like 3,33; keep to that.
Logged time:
8,47
